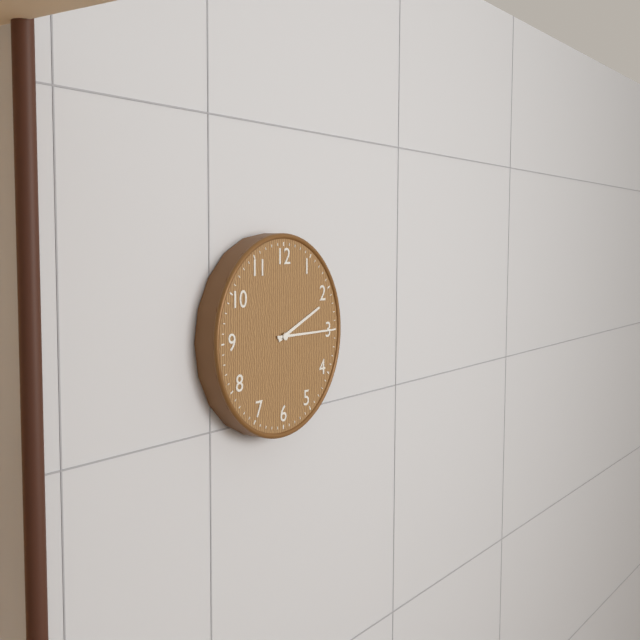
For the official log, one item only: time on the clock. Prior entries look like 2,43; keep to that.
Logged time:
2,15
